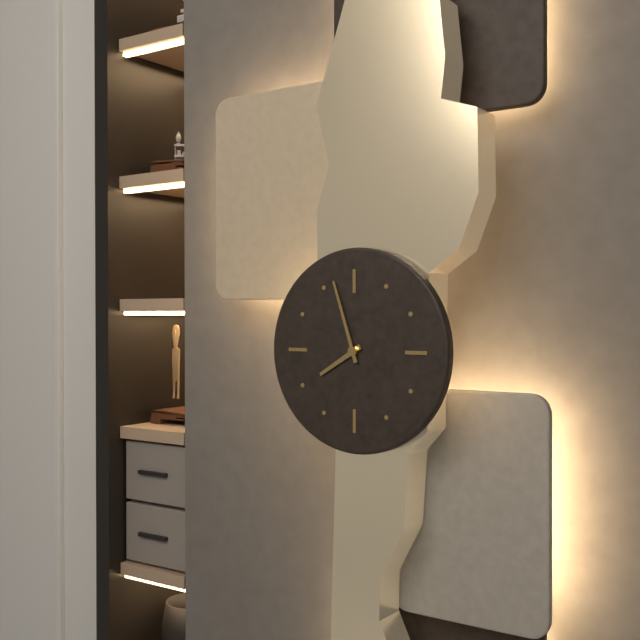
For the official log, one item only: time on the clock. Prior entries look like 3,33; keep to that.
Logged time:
7,57
